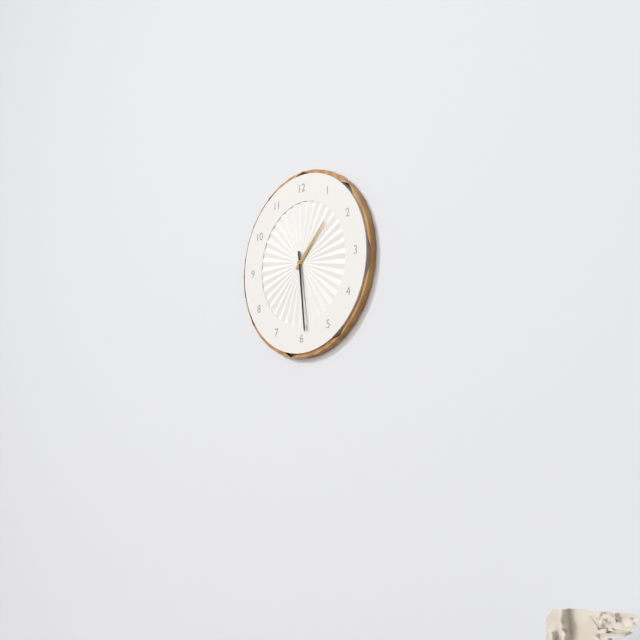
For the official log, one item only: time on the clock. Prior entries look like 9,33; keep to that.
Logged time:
1,29
